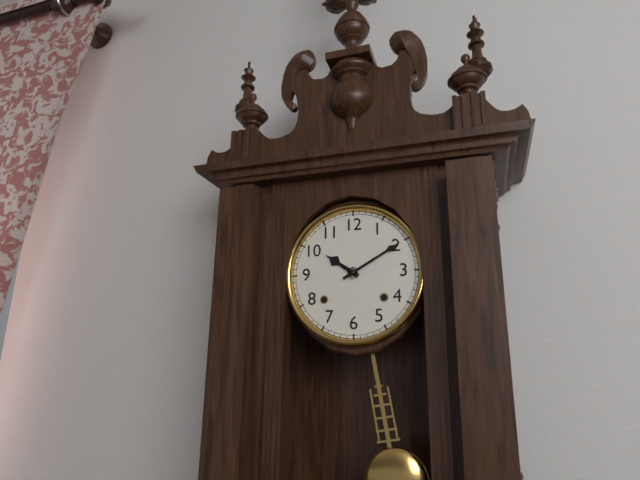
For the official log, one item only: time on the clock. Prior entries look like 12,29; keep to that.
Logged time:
10,10
